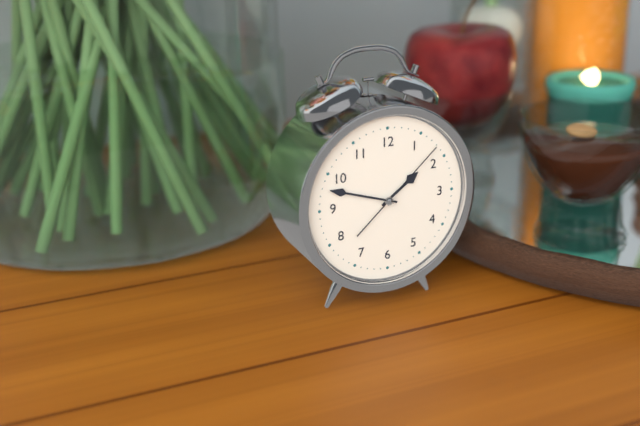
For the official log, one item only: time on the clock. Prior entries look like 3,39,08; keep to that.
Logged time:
1,48,08
